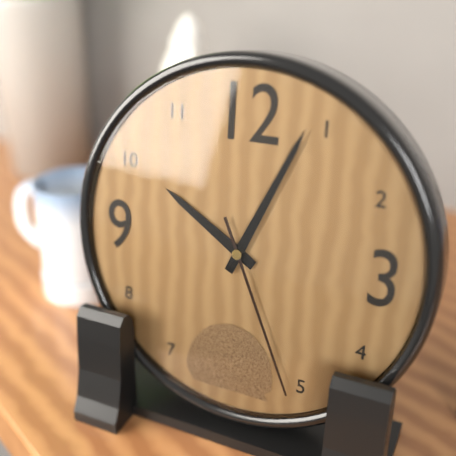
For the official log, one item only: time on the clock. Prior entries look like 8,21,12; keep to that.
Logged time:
10,04,26
